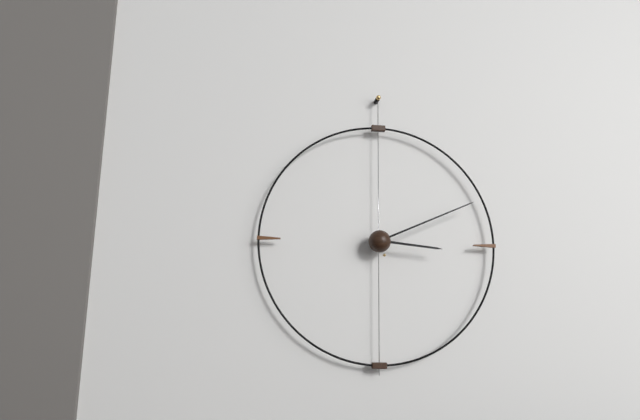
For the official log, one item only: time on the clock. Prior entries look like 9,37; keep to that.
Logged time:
3,11
